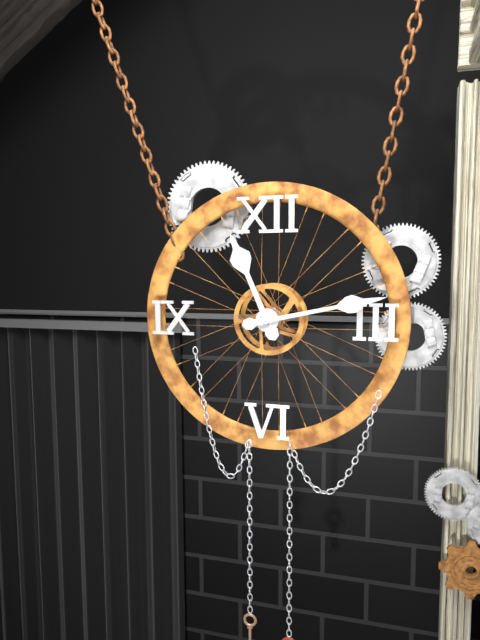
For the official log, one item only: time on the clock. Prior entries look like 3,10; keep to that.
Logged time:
11,13
